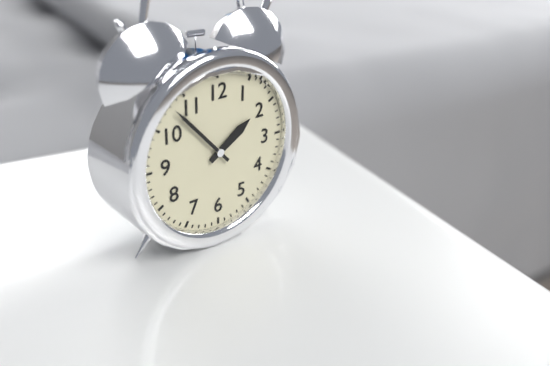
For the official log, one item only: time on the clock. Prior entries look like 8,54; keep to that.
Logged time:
1,53
